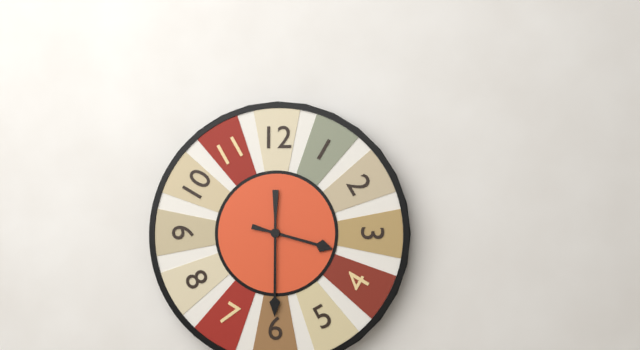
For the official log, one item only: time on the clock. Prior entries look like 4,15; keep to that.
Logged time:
3,30
